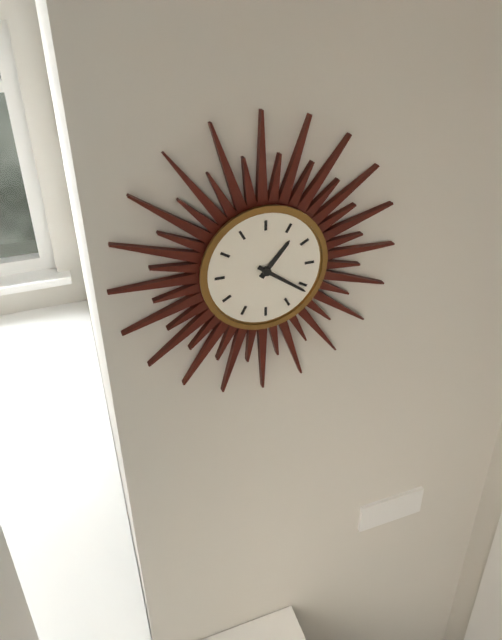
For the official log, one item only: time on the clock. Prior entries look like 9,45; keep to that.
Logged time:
1,21
